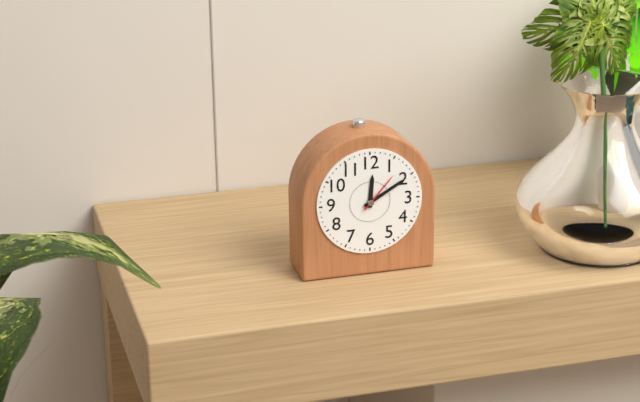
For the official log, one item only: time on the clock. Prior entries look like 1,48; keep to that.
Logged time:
12,10
